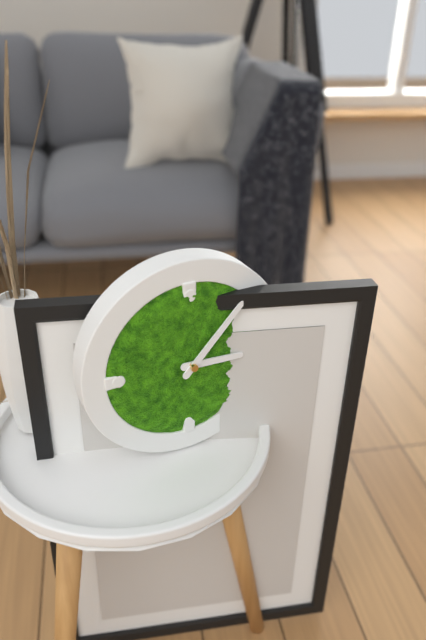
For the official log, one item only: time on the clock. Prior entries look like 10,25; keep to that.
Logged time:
3,07
